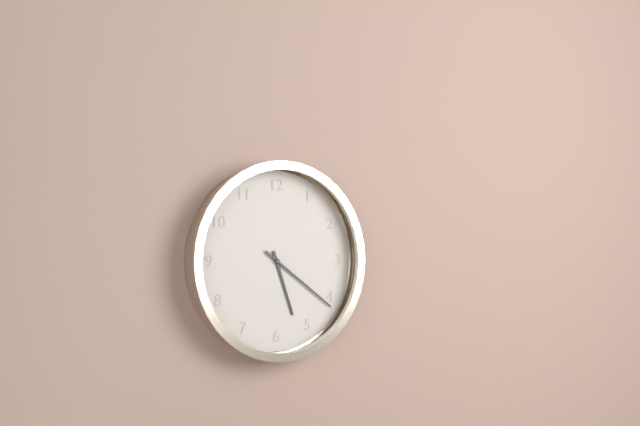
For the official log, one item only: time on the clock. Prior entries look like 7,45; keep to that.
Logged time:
5,21
